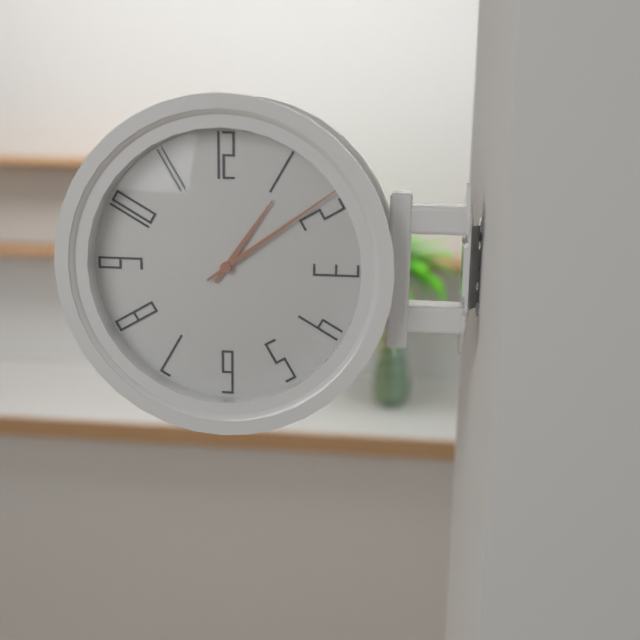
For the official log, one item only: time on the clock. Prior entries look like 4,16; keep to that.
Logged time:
1,09
